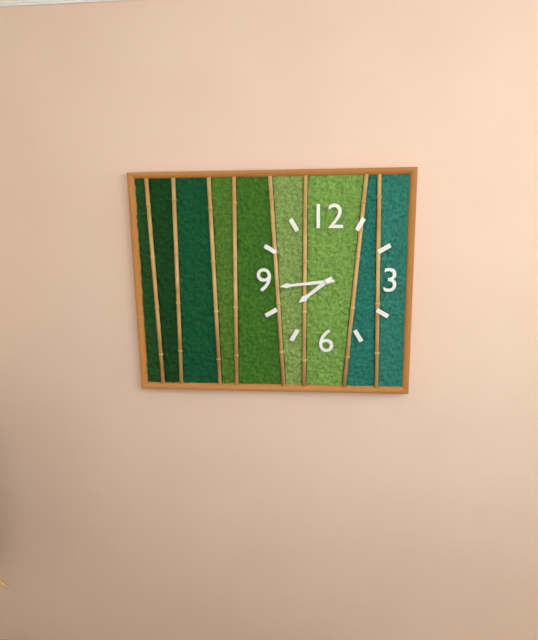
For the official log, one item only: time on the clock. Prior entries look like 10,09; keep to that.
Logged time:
7,44
